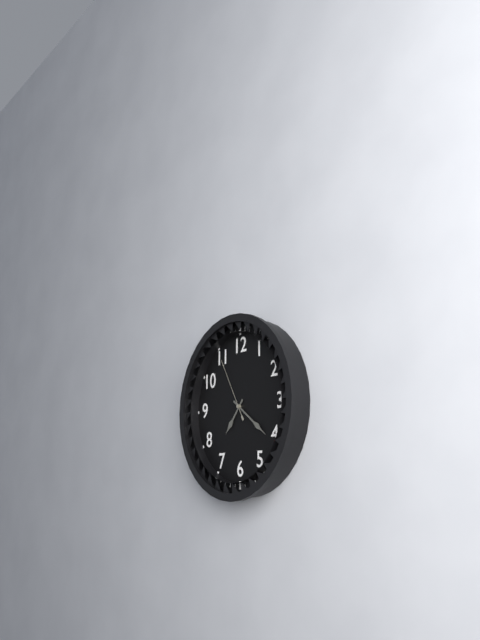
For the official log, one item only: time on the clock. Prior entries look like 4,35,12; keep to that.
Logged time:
7,21,55
